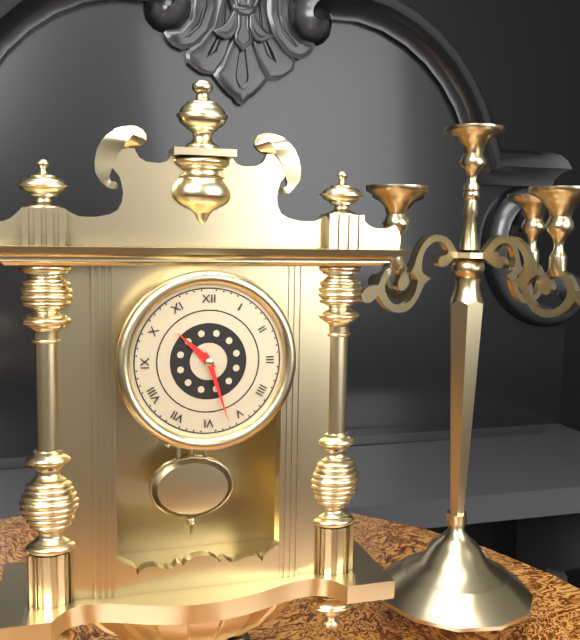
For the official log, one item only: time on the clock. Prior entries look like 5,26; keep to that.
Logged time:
10,27
